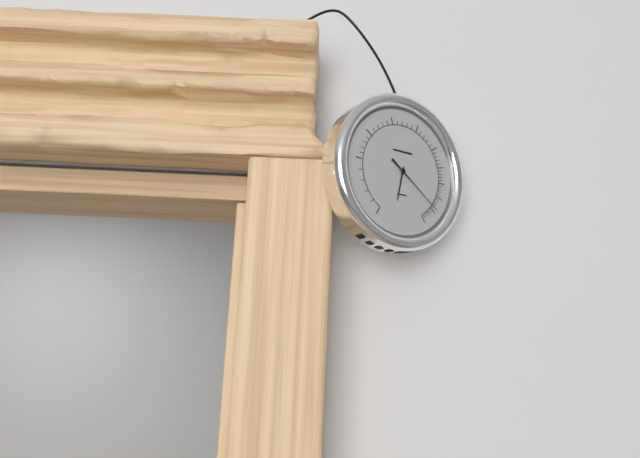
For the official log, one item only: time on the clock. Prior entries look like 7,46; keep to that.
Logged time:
6,21
